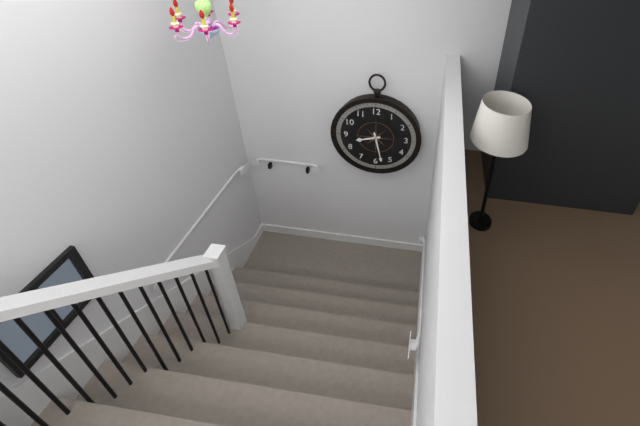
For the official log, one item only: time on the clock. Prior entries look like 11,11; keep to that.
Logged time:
8,28
